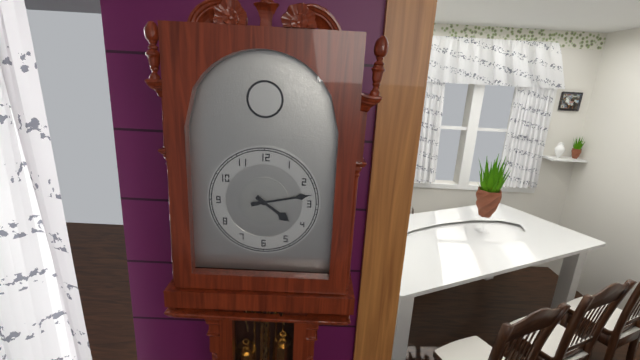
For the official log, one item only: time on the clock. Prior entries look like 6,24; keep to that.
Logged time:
4,13
